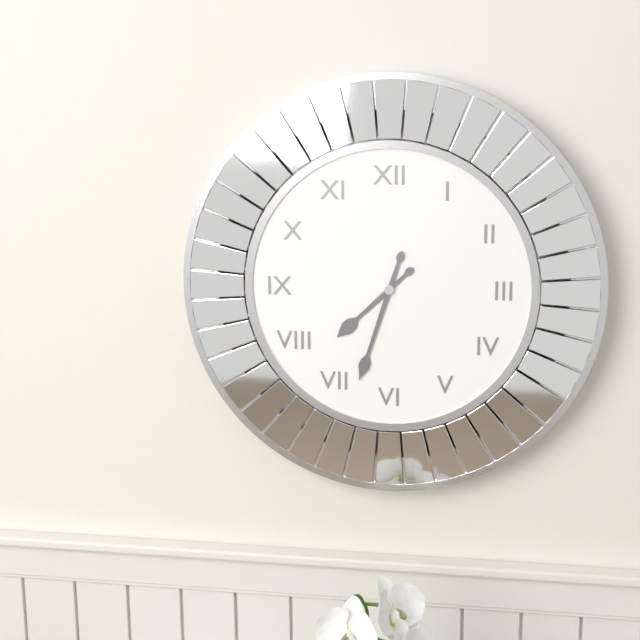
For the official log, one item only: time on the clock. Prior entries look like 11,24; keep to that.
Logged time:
7,33
